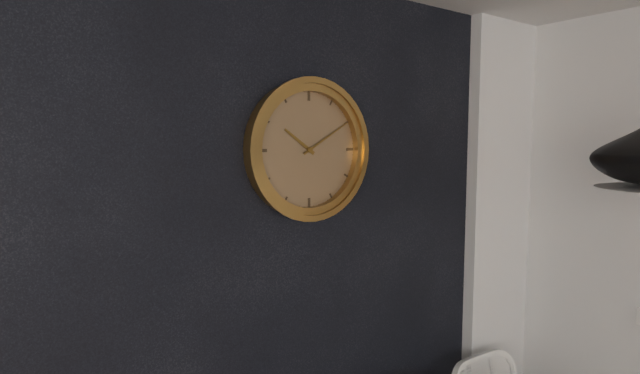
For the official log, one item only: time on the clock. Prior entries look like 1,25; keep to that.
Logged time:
10,10
